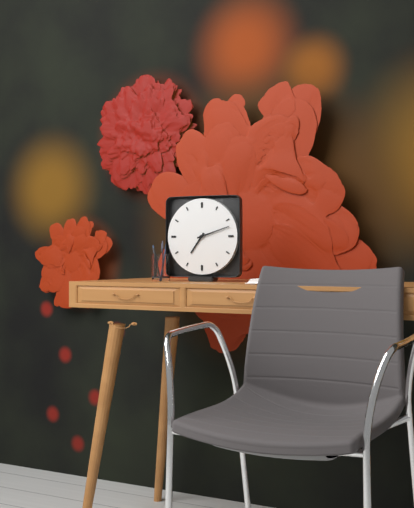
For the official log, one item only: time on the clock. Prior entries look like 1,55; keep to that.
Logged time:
7,12
